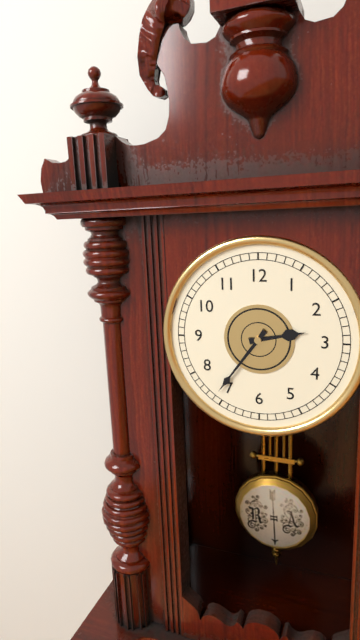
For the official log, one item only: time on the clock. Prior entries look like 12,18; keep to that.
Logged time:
2,36
